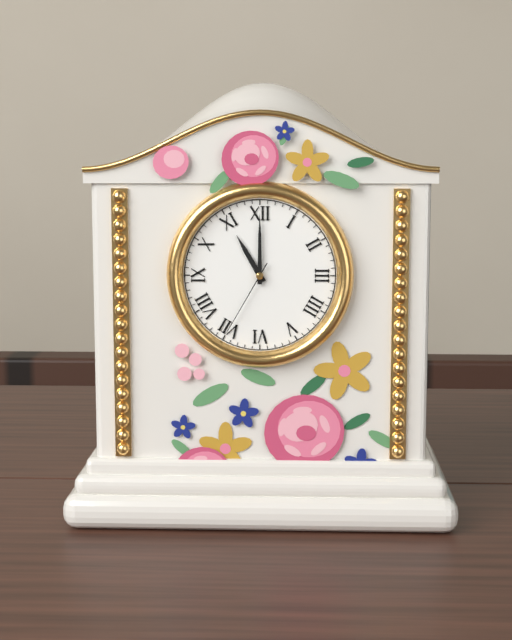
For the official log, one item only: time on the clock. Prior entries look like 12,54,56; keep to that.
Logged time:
11,00,35
